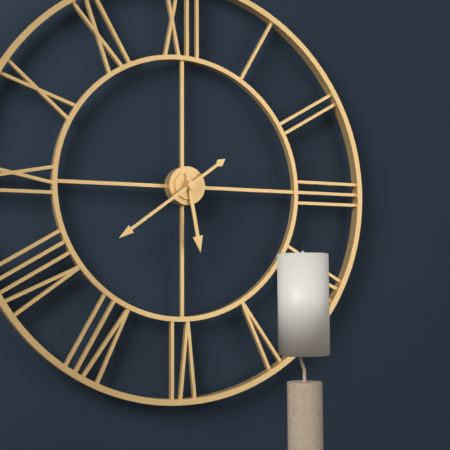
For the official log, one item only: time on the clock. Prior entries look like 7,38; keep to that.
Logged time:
5,39
